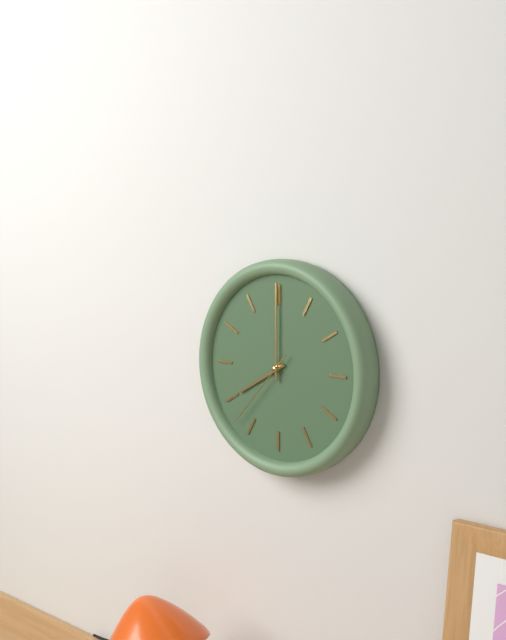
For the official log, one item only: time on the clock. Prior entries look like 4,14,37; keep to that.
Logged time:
8,00,37
